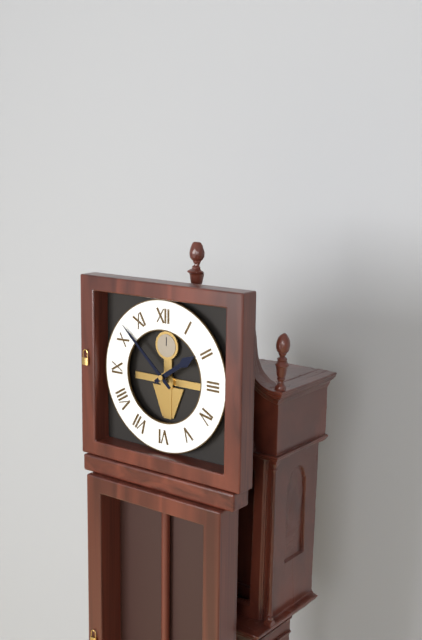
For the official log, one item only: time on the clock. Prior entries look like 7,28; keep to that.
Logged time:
1,52
